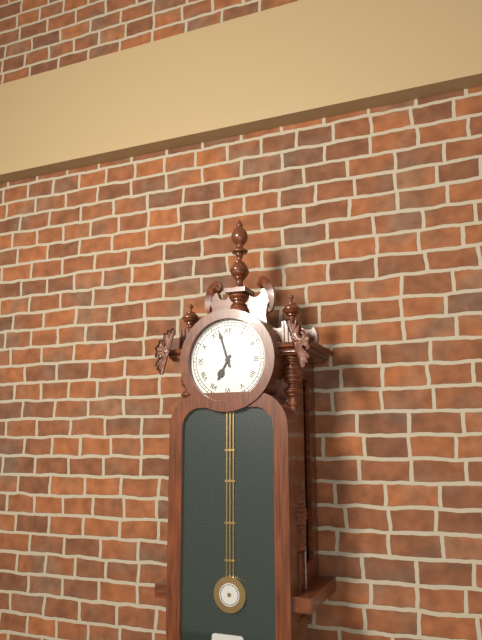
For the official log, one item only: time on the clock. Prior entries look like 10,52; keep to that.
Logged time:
6,57
